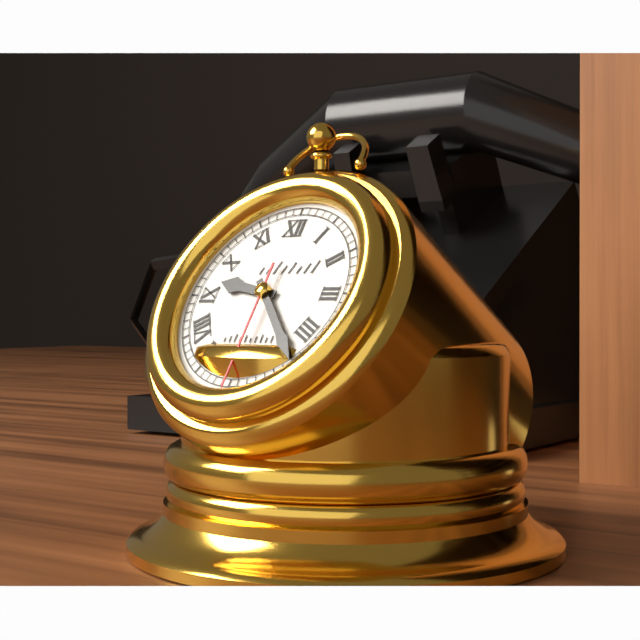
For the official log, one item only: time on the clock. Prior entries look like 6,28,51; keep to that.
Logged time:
9,23,30
